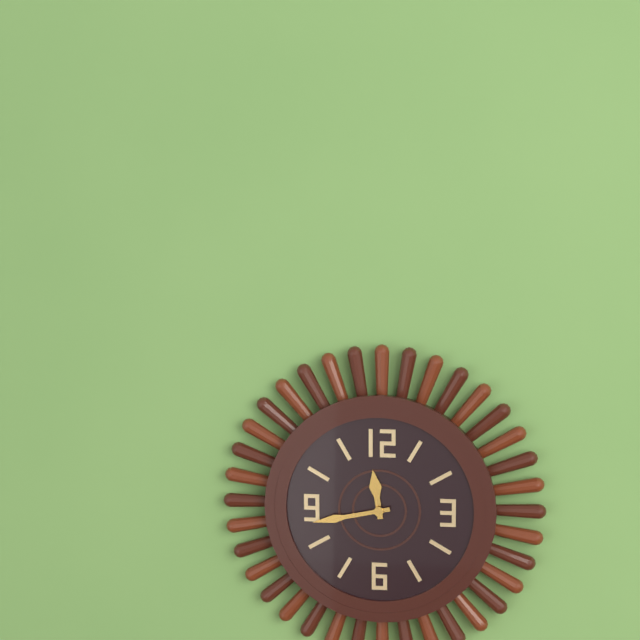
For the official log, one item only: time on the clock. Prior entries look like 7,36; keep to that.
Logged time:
11,43
